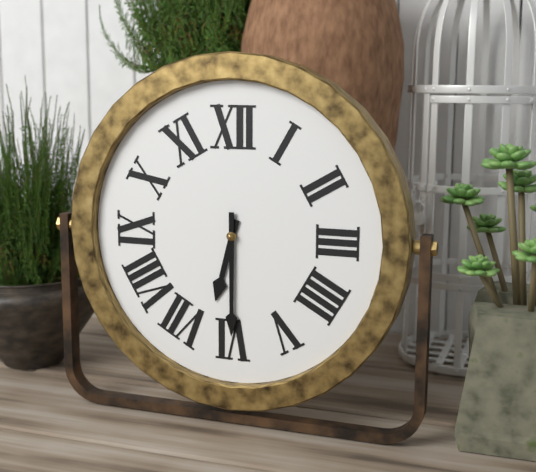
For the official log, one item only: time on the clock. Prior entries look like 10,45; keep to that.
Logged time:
6,30
